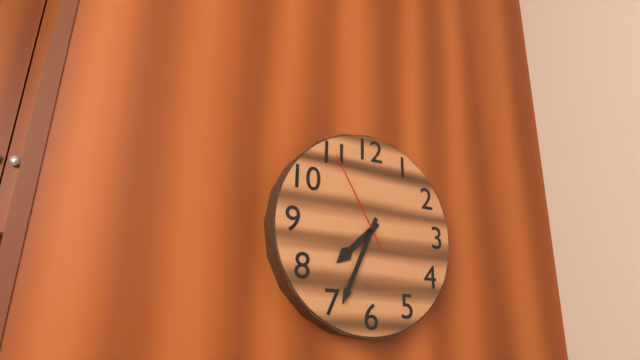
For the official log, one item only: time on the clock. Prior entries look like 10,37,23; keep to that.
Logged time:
7,34,55
